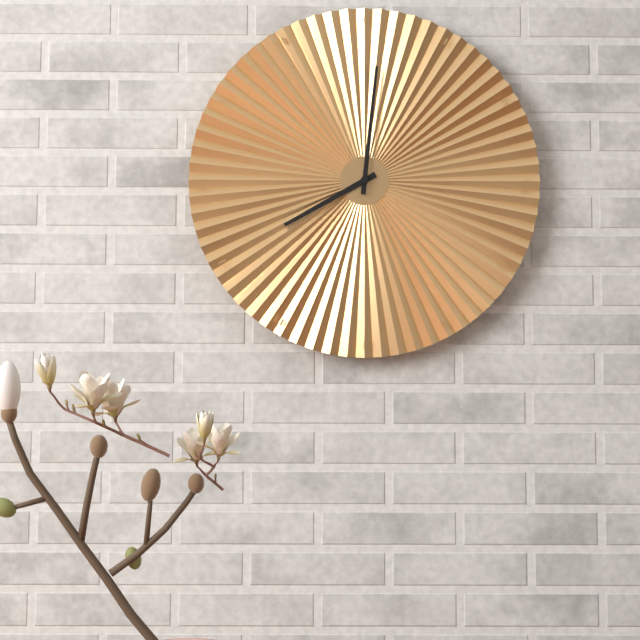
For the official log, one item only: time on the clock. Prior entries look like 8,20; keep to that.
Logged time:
8,01
